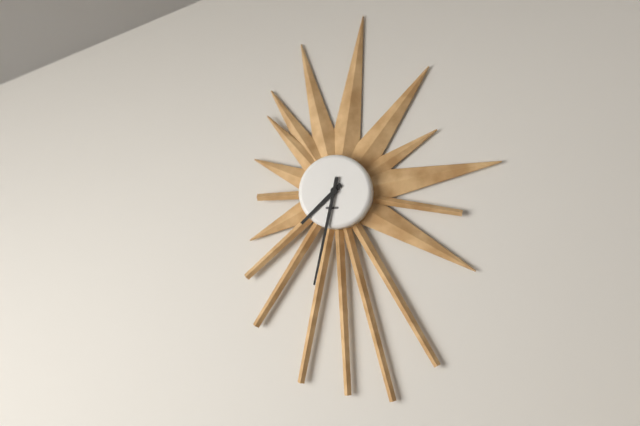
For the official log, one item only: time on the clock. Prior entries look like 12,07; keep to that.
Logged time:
7,32
